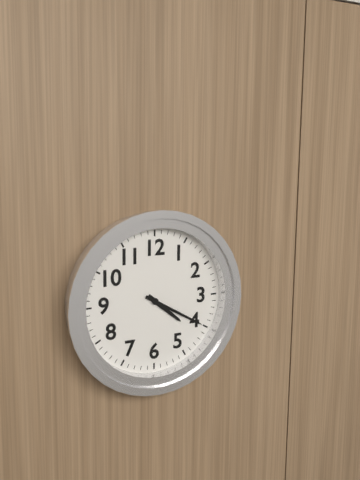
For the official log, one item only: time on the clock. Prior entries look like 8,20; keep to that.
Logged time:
4,20
